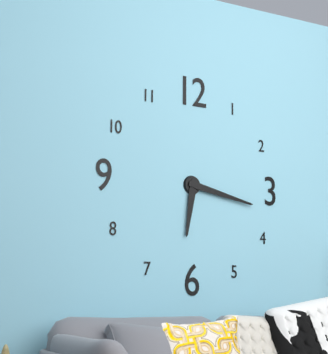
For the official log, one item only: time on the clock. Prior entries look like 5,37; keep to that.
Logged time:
6,17
